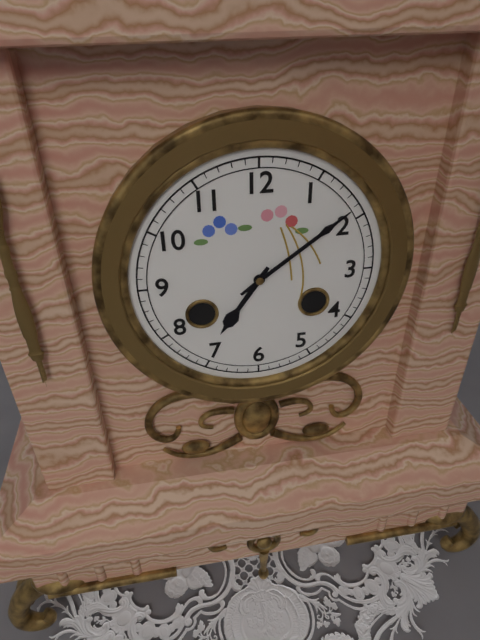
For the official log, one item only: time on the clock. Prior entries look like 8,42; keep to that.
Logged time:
7,09
